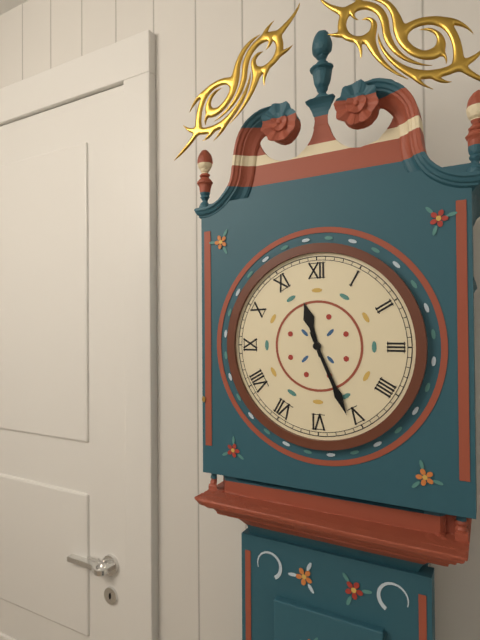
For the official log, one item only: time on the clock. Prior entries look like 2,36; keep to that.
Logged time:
11,26
